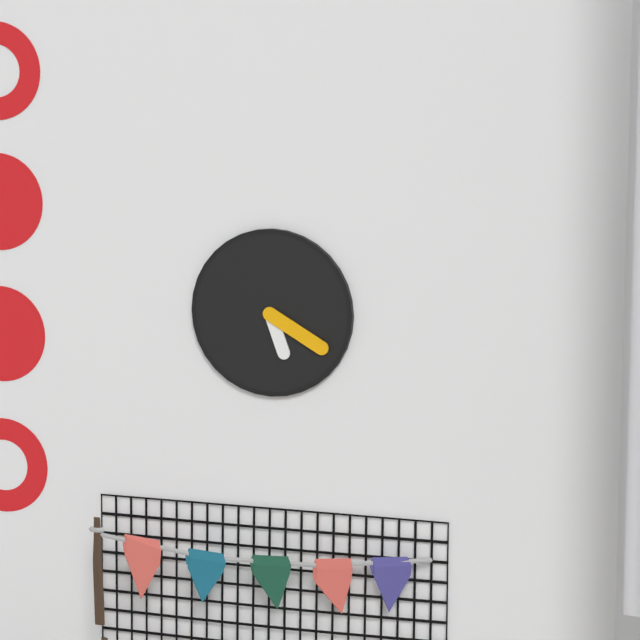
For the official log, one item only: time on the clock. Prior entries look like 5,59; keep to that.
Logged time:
5,20
